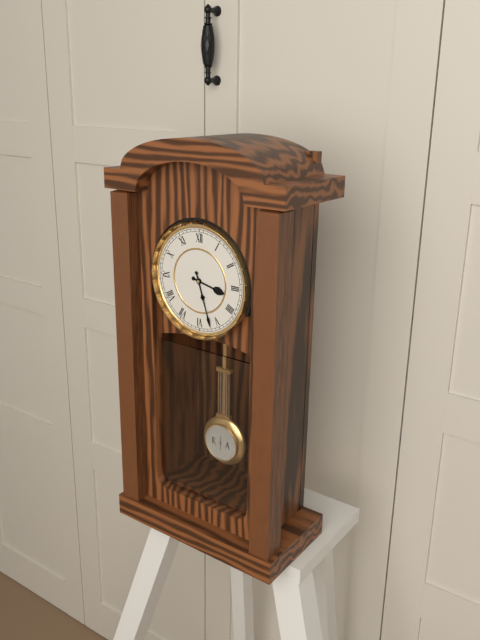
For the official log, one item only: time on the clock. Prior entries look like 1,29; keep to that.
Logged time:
3,27
